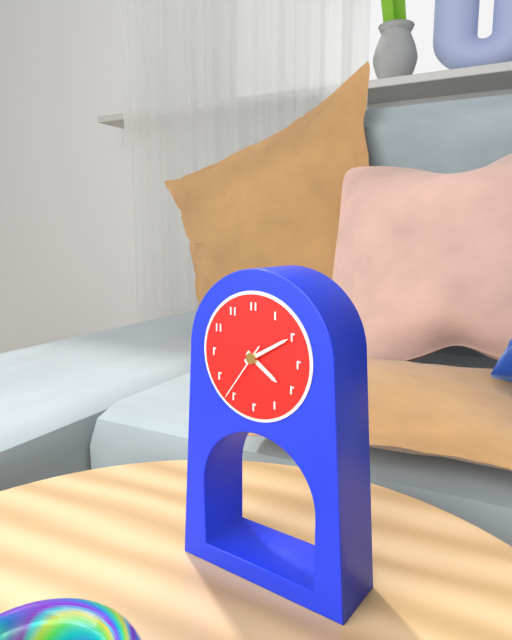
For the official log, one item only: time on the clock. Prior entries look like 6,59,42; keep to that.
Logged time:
4,10,36
